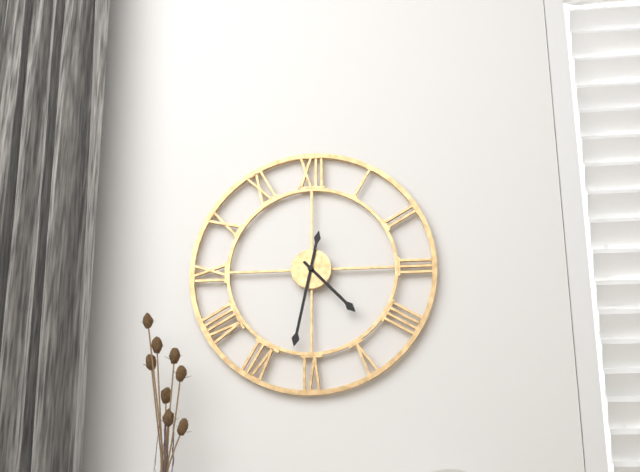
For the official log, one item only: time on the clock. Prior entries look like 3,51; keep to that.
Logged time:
4,32
